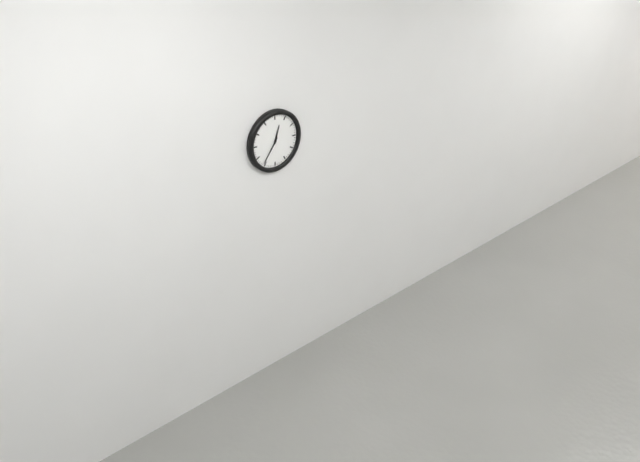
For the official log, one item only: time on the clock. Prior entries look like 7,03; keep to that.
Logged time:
12,36
